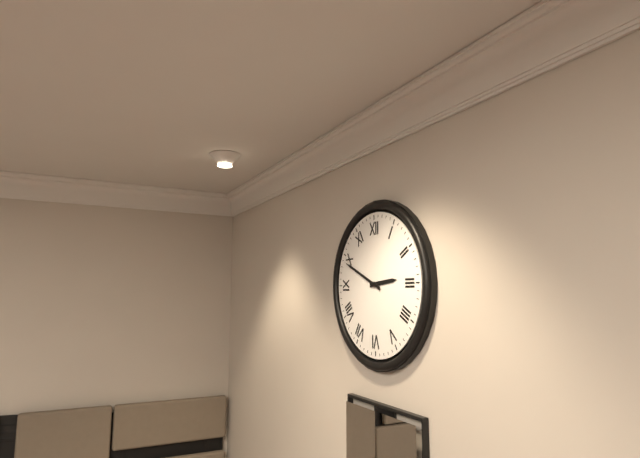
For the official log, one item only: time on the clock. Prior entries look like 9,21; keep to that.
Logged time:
2,49
